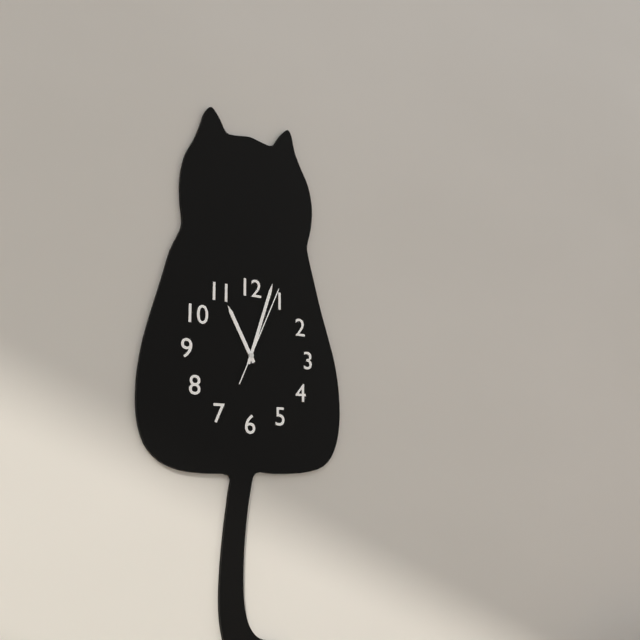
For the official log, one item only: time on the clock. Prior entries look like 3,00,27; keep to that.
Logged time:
11,03,04
